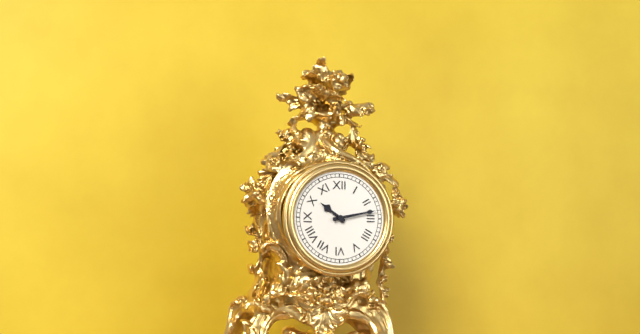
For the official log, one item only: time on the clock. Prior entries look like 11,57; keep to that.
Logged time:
10,13
